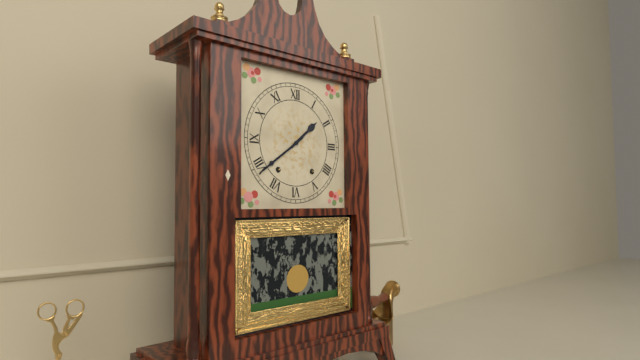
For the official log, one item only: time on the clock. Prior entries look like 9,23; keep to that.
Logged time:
1,39
